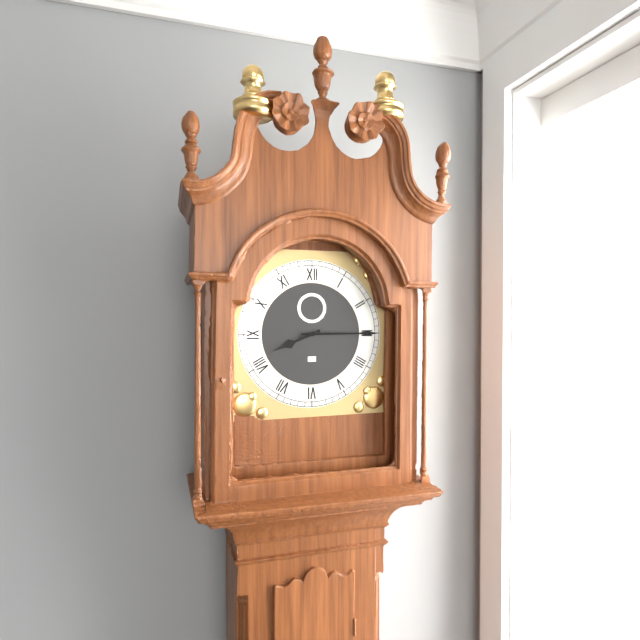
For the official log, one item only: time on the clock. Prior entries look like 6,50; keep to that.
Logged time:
8,15
